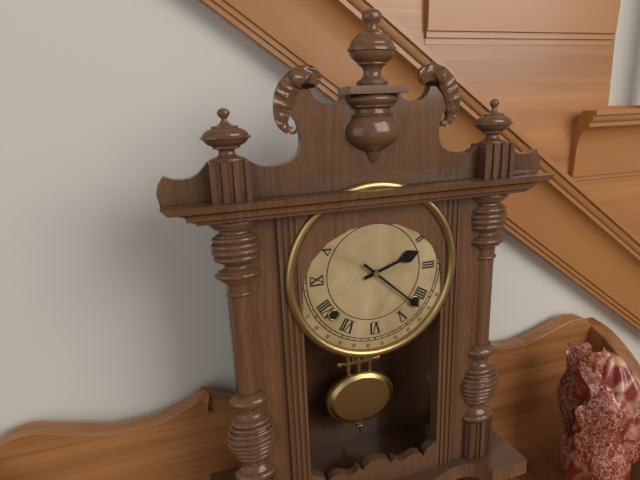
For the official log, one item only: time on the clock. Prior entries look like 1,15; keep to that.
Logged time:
2,22
